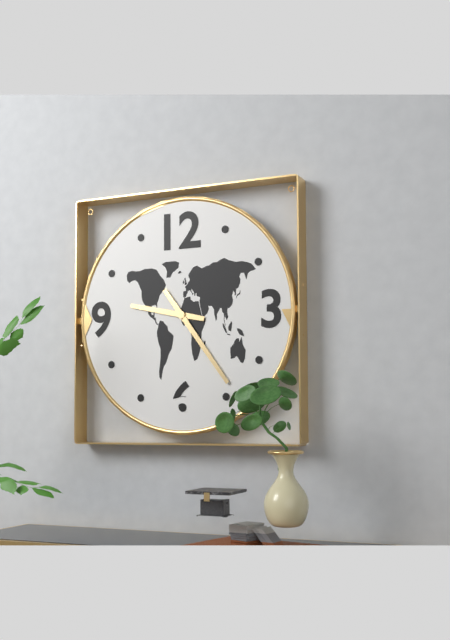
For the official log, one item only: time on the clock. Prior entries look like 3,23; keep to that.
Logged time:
9,24
